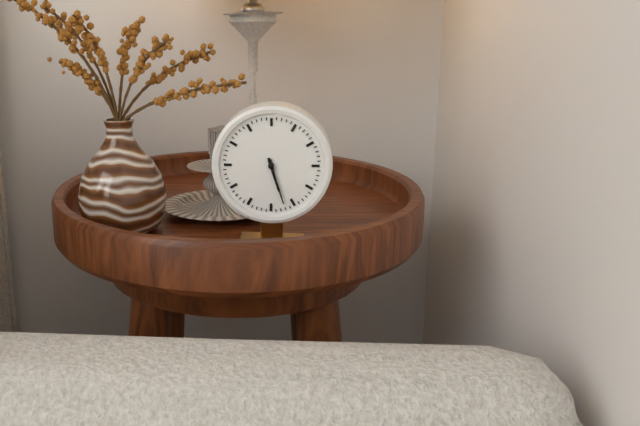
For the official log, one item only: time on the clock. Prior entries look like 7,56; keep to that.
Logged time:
5,27
